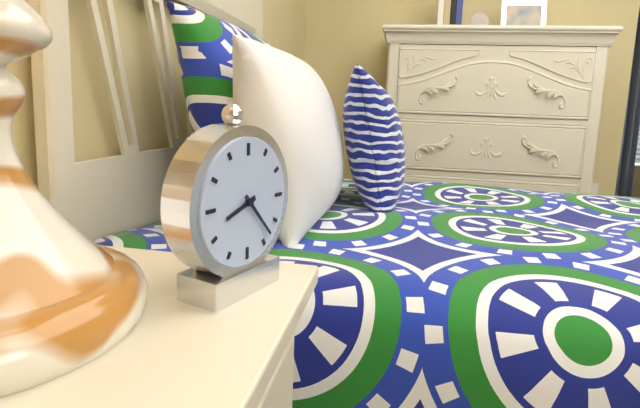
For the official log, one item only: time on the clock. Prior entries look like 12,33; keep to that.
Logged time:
8,23
